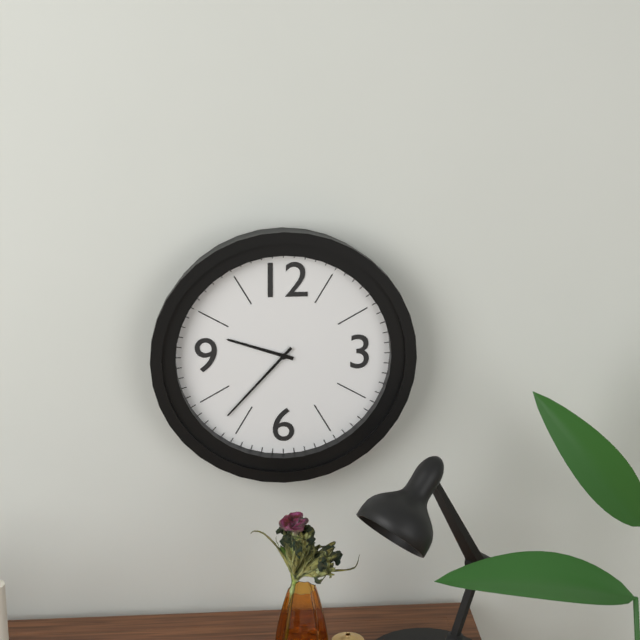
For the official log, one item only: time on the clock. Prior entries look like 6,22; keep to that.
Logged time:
9,37
